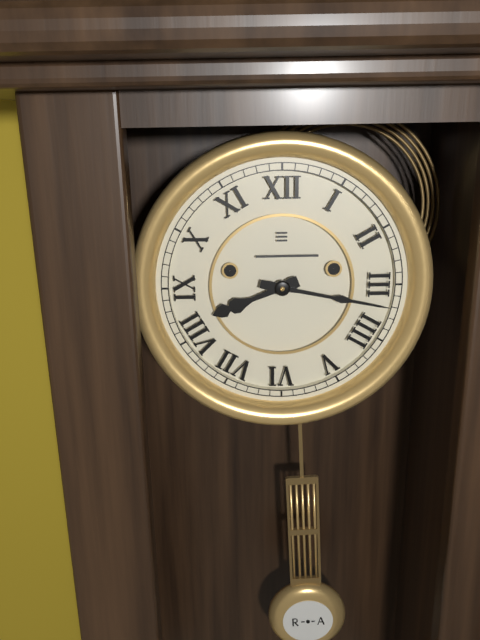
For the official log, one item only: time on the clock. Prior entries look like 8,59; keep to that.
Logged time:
8,17
